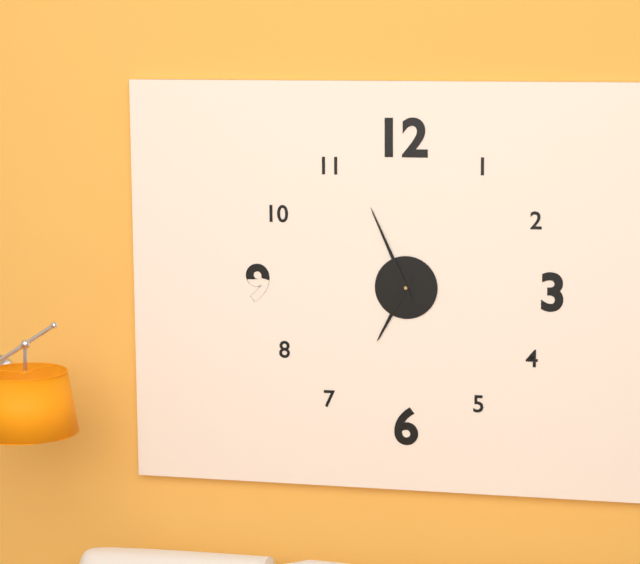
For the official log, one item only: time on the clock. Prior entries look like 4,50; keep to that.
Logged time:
6,56
